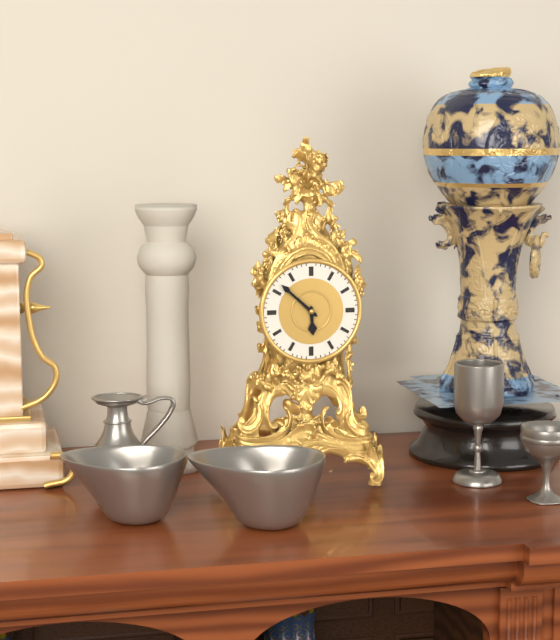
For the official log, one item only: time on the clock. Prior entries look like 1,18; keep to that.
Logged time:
5,52
